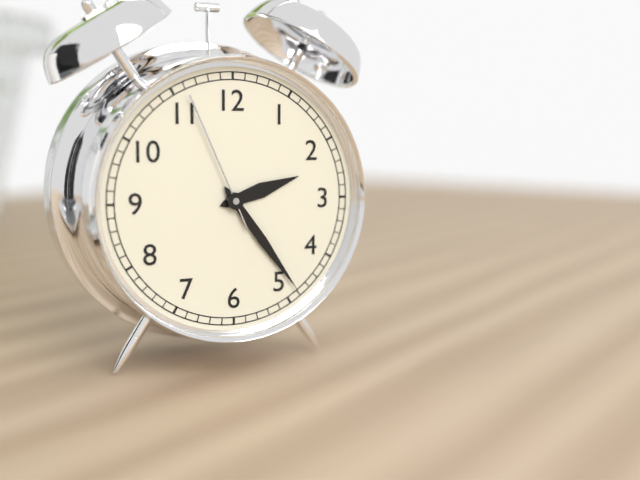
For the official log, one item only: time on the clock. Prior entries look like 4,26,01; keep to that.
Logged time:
2,24,56
